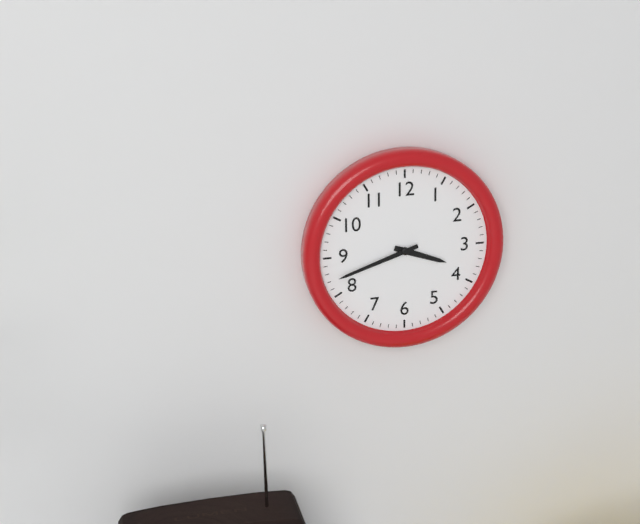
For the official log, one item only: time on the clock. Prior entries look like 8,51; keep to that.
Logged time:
3,42
